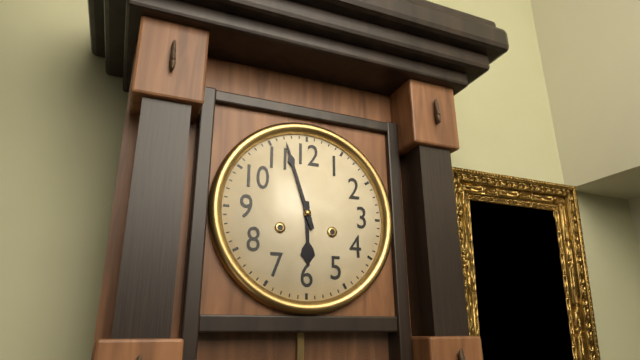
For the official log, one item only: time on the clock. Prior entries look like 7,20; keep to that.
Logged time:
5,57
